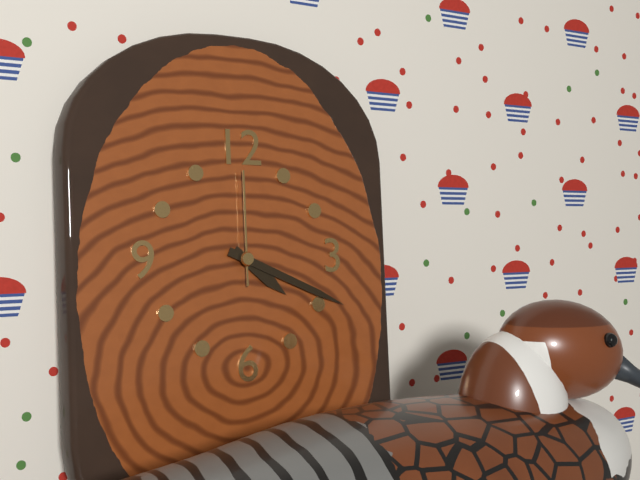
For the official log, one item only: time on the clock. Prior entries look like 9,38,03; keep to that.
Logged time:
4,19,00
